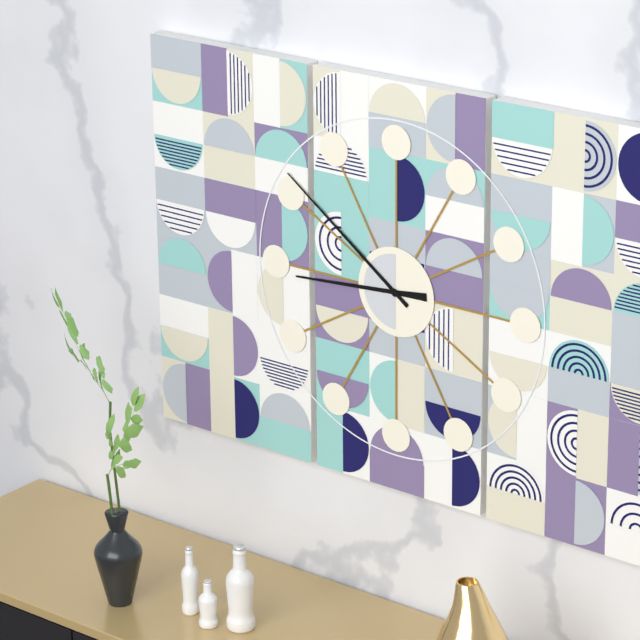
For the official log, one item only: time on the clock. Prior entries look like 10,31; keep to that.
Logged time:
8,51
